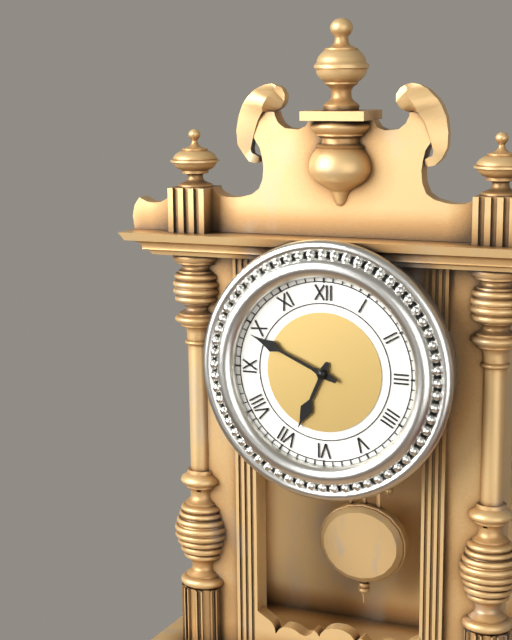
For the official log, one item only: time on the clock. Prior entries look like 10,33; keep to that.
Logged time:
6,49
